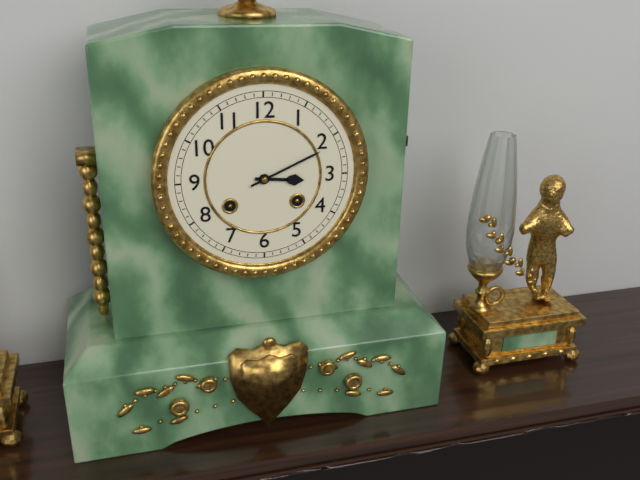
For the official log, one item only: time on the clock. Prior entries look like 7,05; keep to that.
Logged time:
3,11
